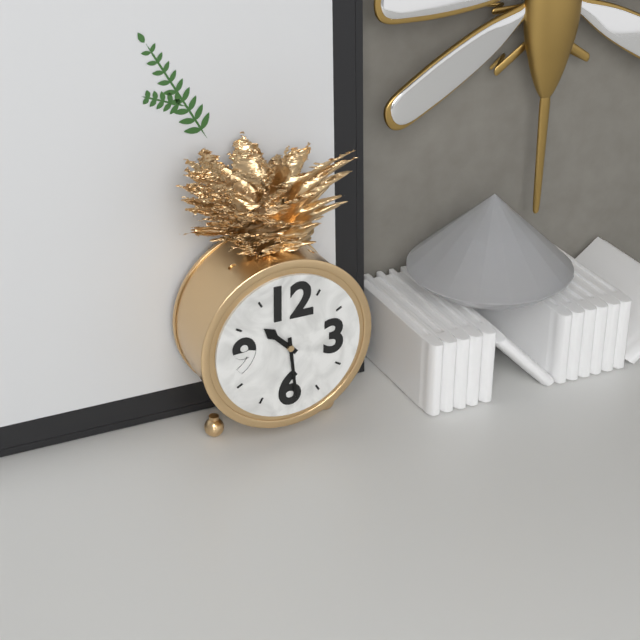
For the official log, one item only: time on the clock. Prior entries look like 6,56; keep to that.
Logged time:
10,29
